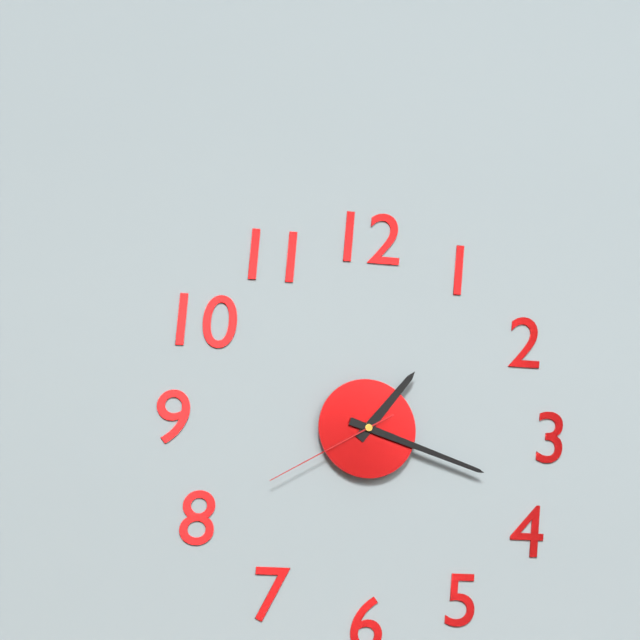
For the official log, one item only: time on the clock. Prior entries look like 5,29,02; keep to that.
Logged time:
1,18,40
